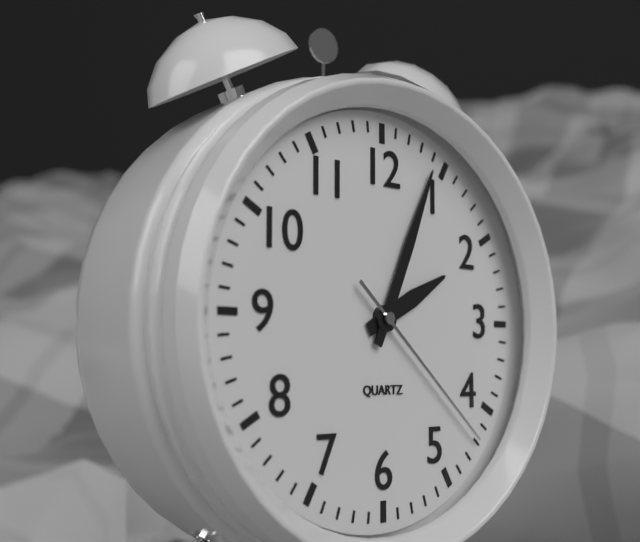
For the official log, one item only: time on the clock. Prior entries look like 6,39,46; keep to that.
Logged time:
2,04,22
